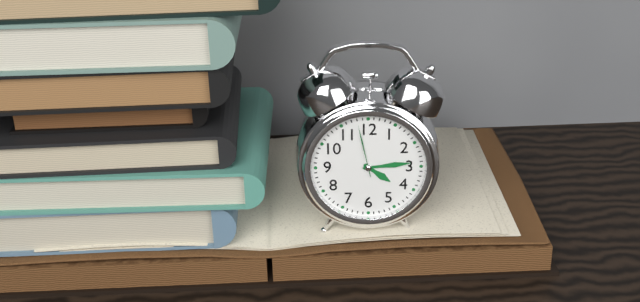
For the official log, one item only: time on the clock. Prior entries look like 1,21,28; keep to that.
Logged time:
4,14,58
